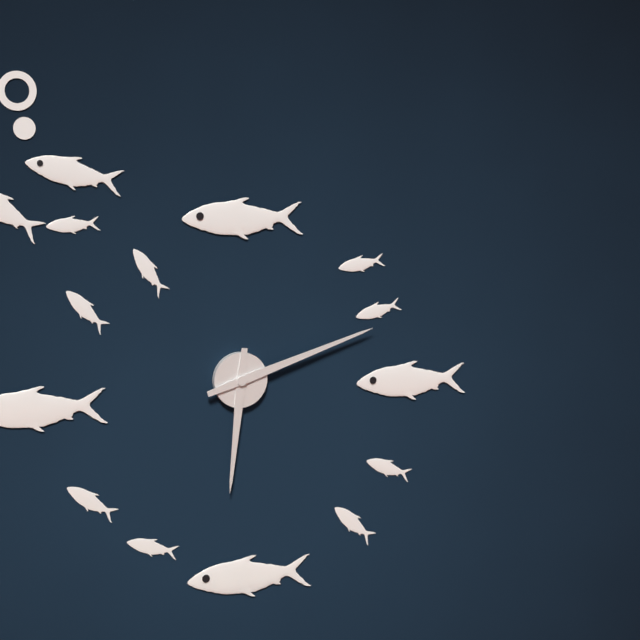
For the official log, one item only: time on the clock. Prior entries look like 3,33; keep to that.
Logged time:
6,12
